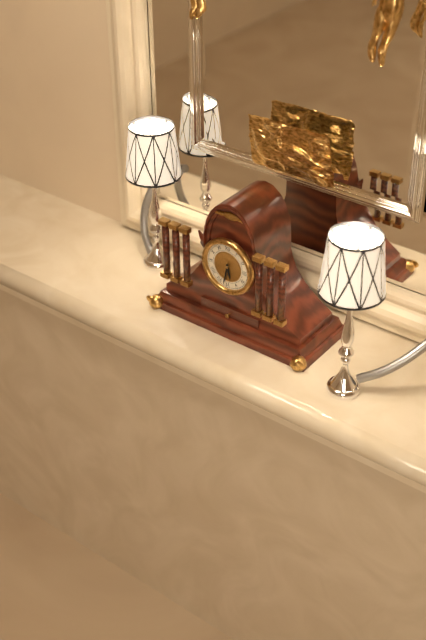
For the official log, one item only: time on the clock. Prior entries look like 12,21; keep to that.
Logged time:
5,32
